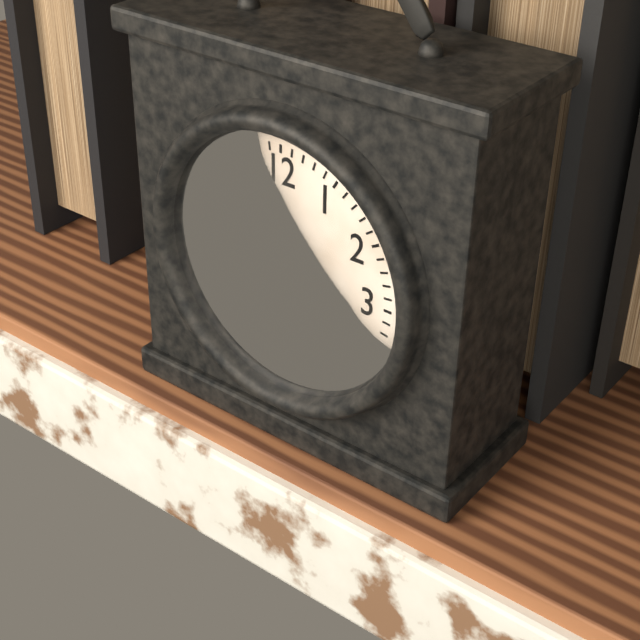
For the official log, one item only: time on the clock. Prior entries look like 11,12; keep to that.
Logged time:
11,37
